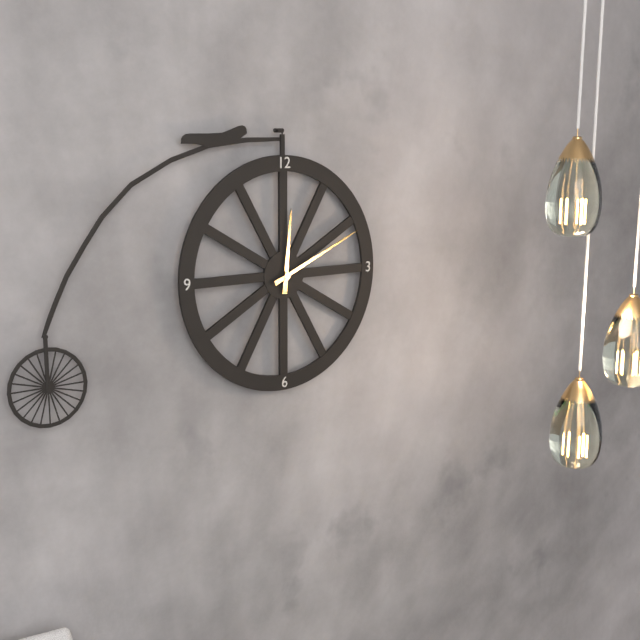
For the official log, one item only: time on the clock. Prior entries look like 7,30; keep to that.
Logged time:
12,11
